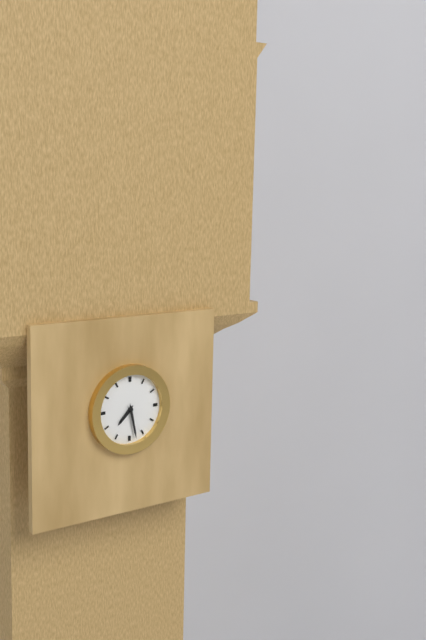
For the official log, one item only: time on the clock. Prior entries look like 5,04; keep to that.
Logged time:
7,28
